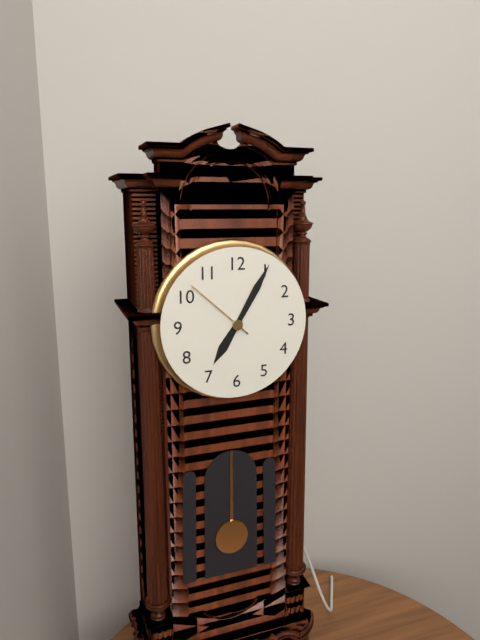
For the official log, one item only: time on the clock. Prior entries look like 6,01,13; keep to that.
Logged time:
7,05,52
